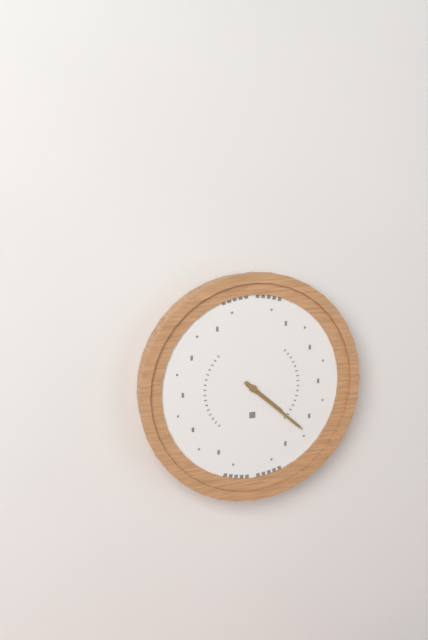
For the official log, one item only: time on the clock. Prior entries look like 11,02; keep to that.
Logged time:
4,22
